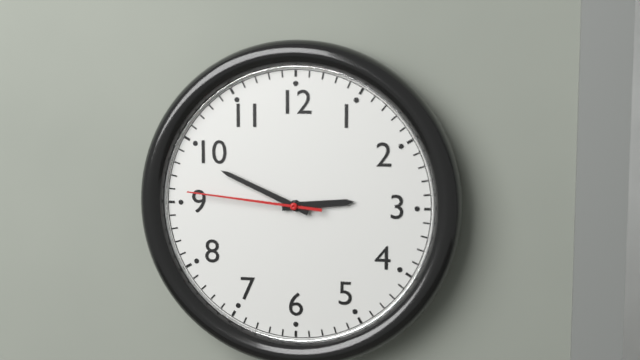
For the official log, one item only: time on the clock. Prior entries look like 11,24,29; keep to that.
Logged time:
2,49,46
